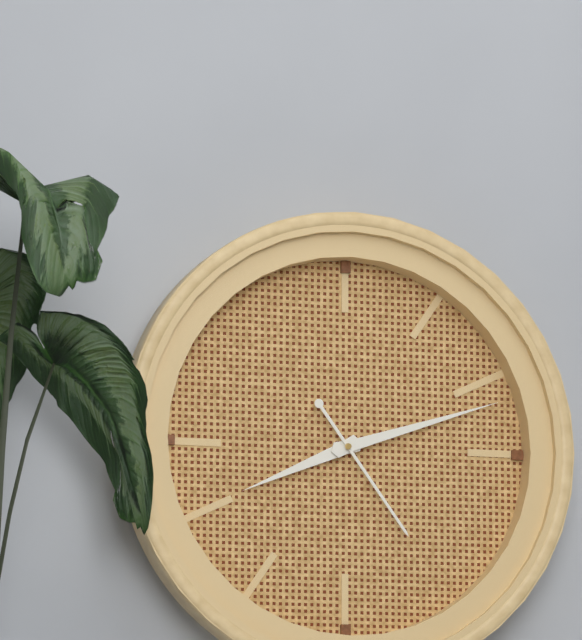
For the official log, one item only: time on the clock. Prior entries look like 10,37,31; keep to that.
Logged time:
8,12,24
